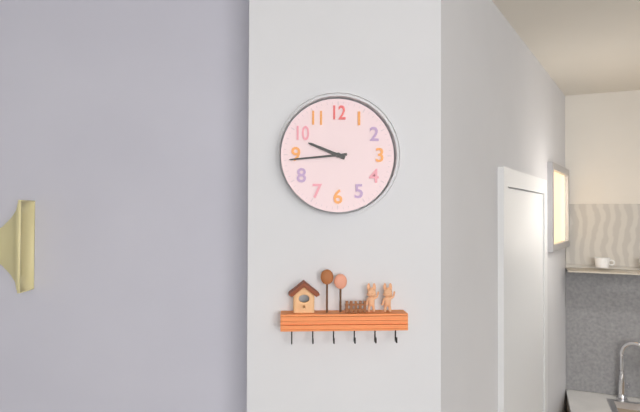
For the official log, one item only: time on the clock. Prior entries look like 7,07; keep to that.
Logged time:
9,44
